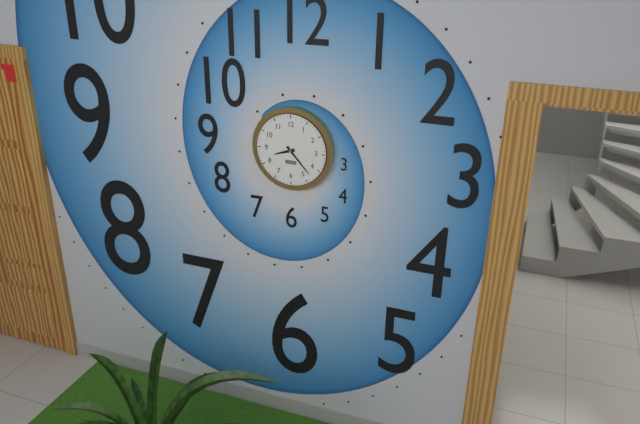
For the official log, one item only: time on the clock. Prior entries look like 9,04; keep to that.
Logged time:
8,23
